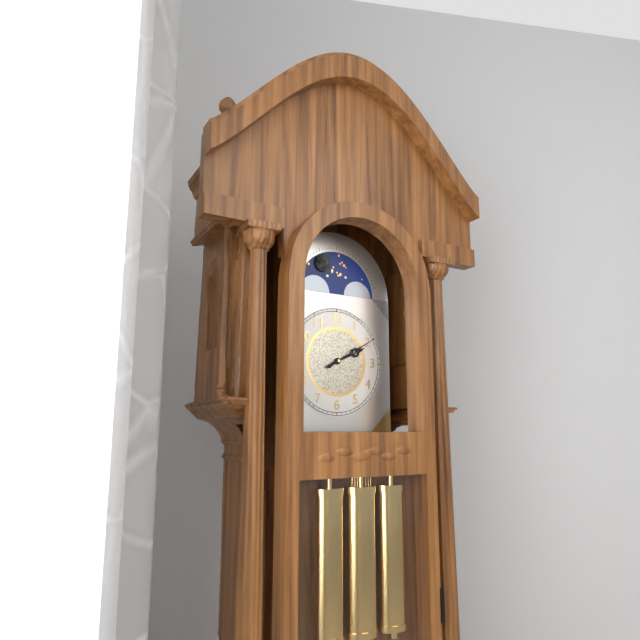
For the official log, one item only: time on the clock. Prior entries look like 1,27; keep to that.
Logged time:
2,10
